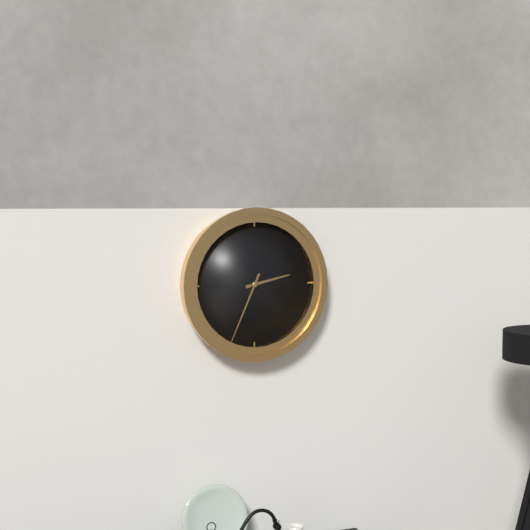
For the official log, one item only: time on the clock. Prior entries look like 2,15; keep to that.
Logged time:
2,34
